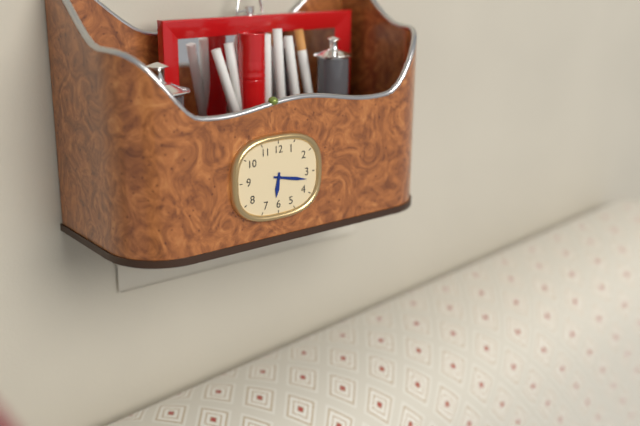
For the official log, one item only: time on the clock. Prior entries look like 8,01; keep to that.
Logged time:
6,17
